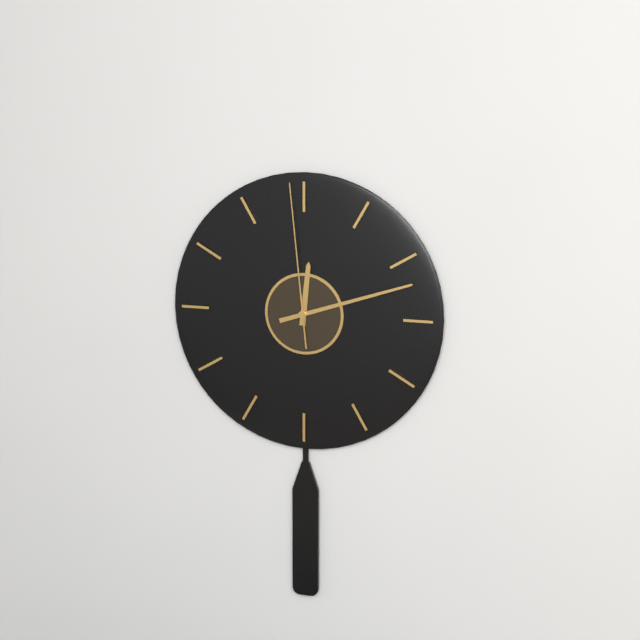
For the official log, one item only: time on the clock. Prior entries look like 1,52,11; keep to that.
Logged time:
12,12,59
